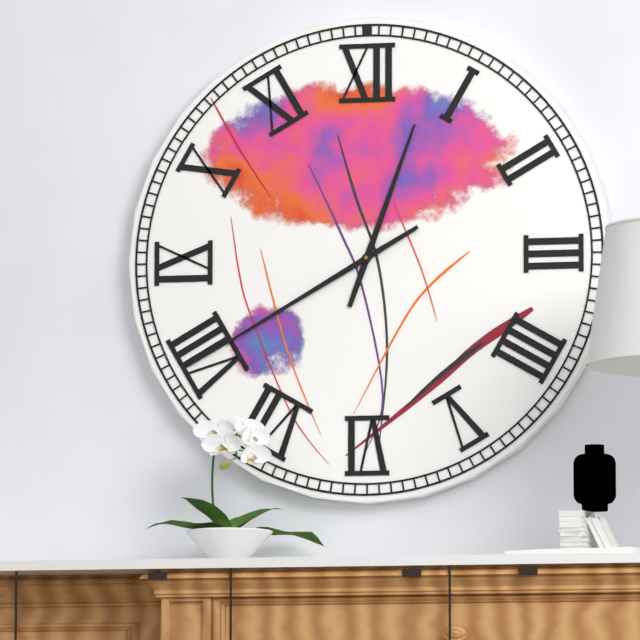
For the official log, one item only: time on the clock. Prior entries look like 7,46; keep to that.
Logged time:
12,40
